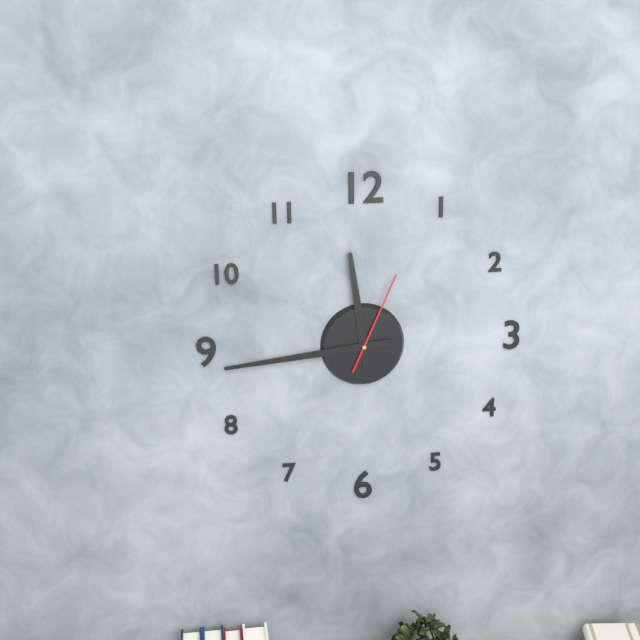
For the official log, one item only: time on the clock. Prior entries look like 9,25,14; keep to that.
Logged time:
11,44,04
